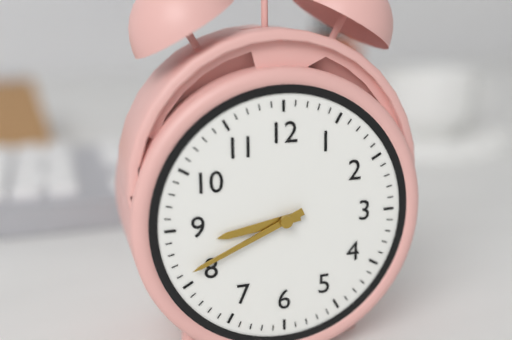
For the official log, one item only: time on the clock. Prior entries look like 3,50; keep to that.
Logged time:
8,41
